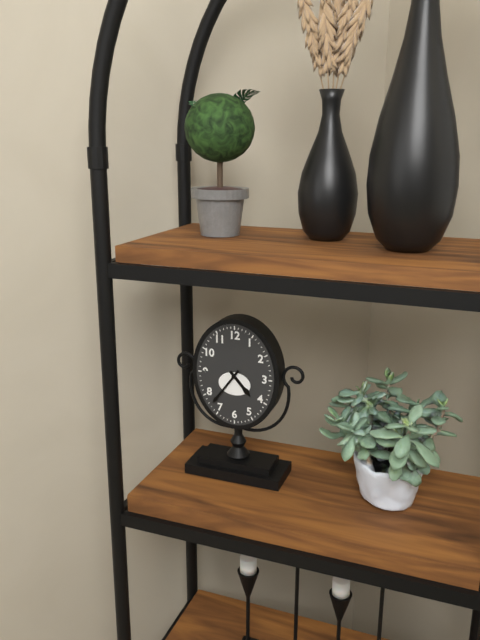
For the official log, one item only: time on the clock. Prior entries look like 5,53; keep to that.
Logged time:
4,36
